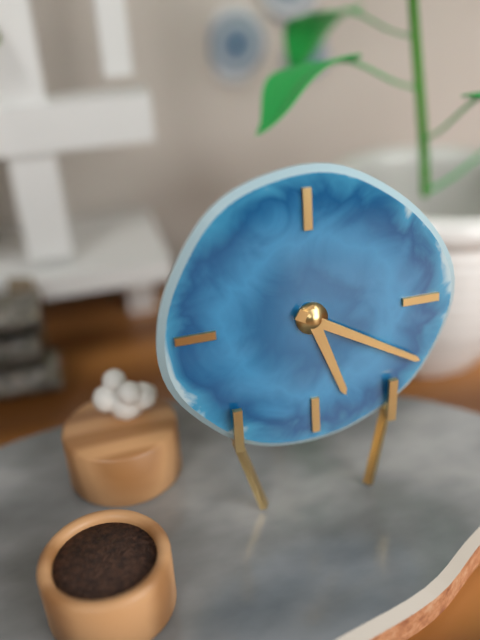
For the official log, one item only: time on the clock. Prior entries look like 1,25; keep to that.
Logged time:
5,20
